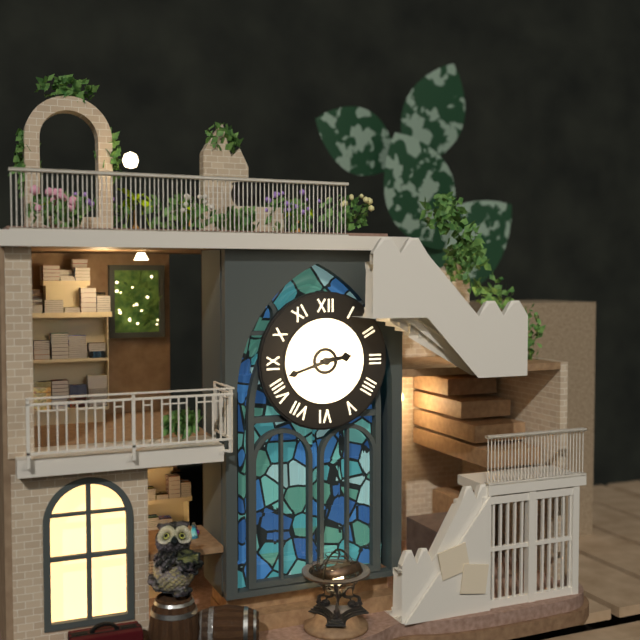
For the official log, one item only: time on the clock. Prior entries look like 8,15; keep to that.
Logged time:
2,42
